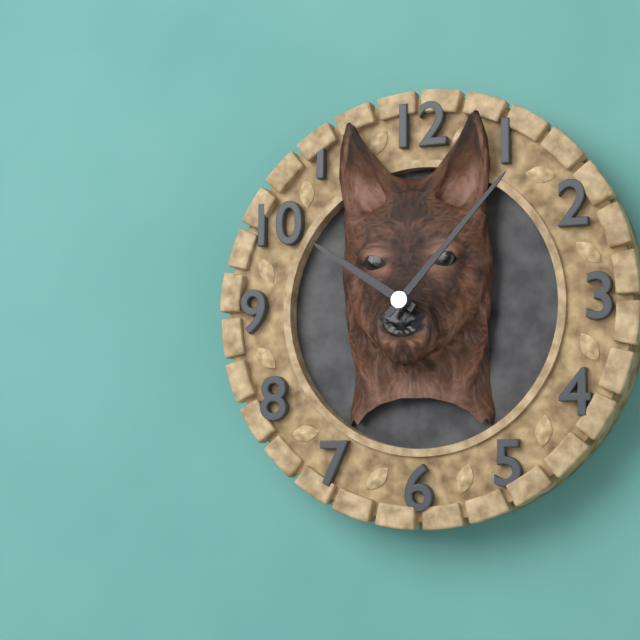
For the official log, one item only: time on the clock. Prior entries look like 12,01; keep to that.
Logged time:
10,07
